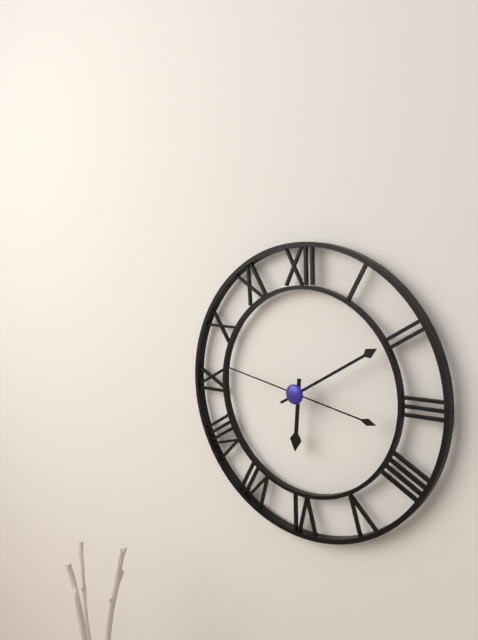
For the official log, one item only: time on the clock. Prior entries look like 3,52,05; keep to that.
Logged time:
6,10,47
